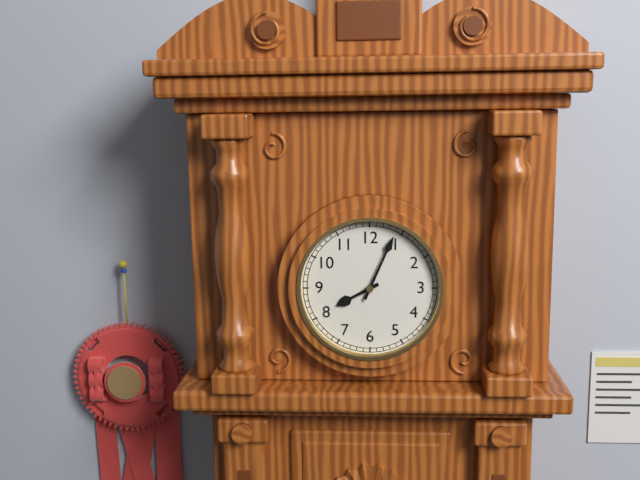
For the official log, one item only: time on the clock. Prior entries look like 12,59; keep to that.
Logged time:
8,04
